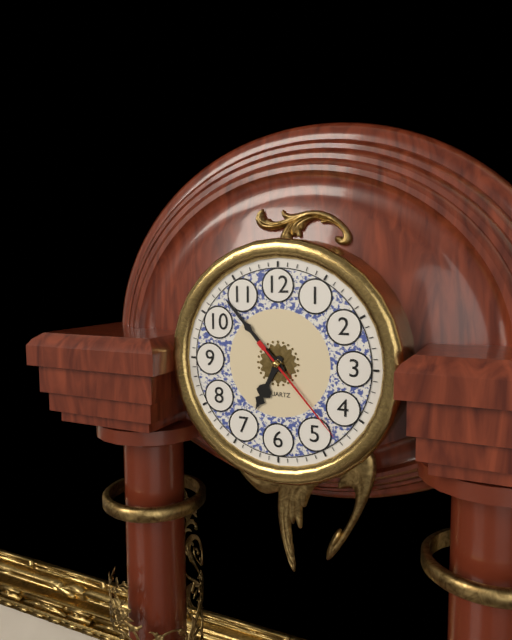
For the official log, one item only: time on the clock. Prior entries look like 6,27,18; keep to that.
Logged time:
6,53,23
